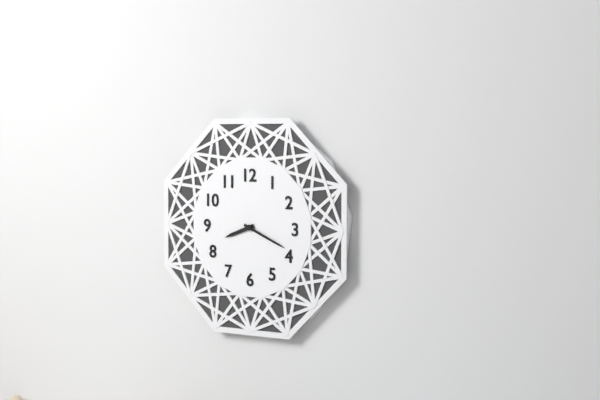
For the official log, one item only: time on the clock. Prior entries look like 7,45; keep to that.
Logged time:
8,19
